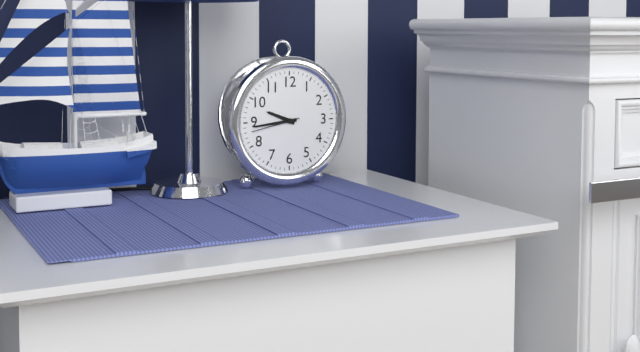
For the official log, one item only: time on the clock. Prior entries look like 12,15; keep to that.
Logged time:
9,44
